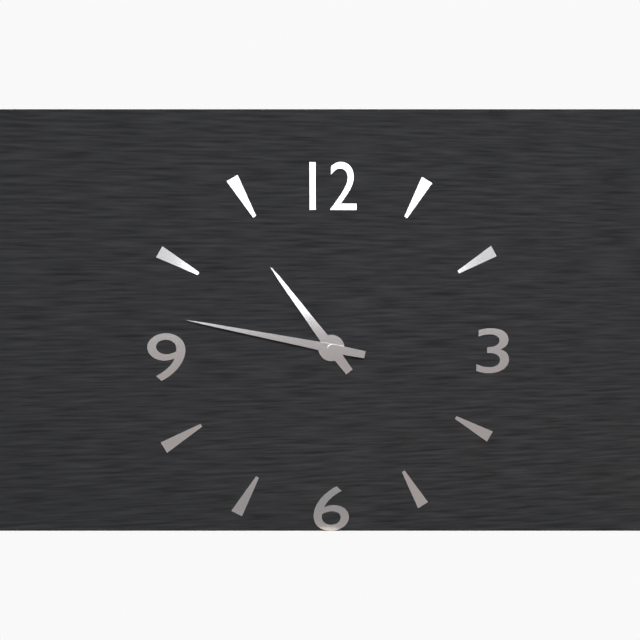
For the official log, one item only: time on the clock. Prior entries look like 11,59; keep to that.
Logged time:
10,47
